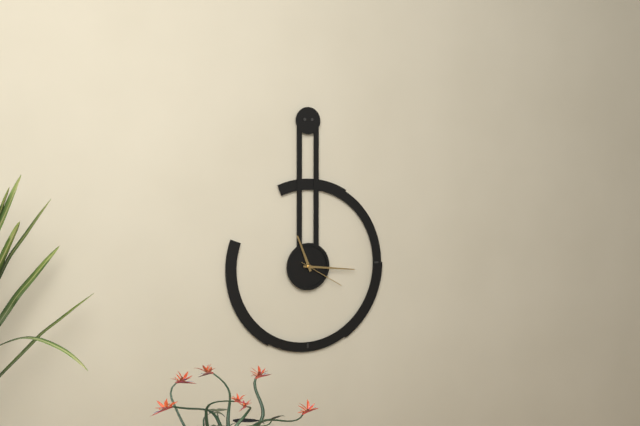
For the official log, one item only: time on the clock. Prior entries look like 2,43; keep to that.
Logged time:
11,16
